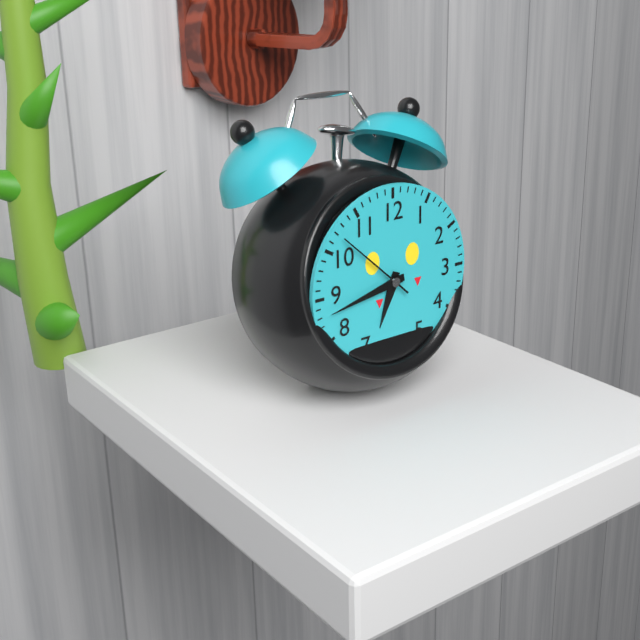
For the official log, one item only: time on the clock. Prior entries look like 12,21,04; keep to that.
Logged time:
6,43,52
